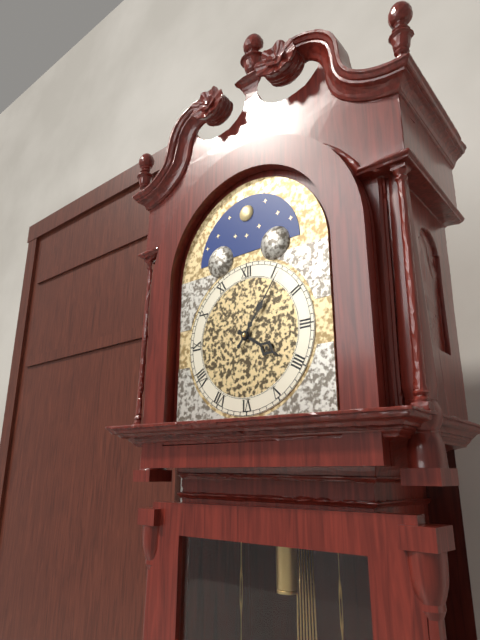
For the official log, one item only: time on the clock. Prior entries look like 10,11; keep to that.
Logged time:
4,06
